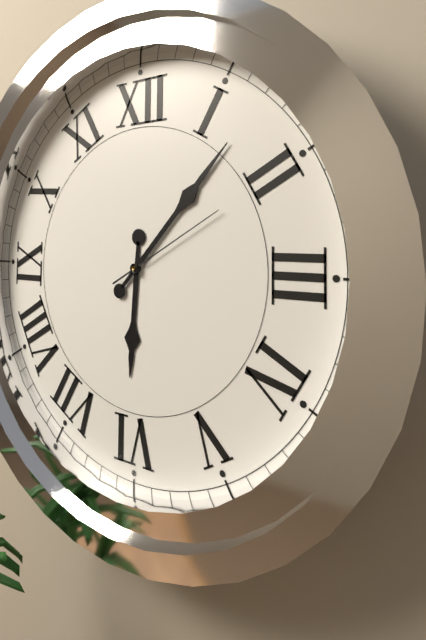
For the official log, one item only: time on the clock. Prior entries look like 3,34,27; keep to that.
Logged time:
6,07,10
